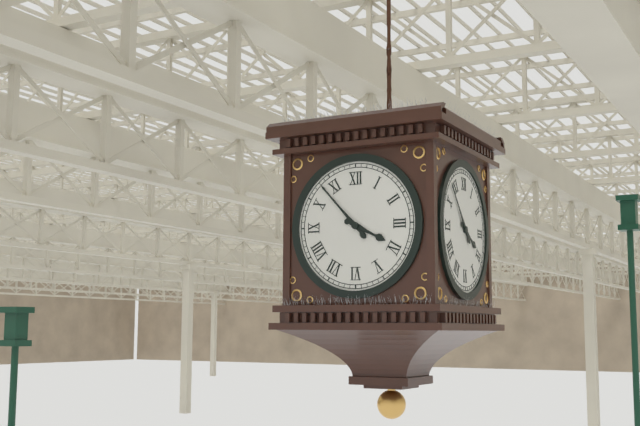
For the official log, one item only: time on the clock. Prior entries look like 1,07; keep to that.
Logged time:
3,53
